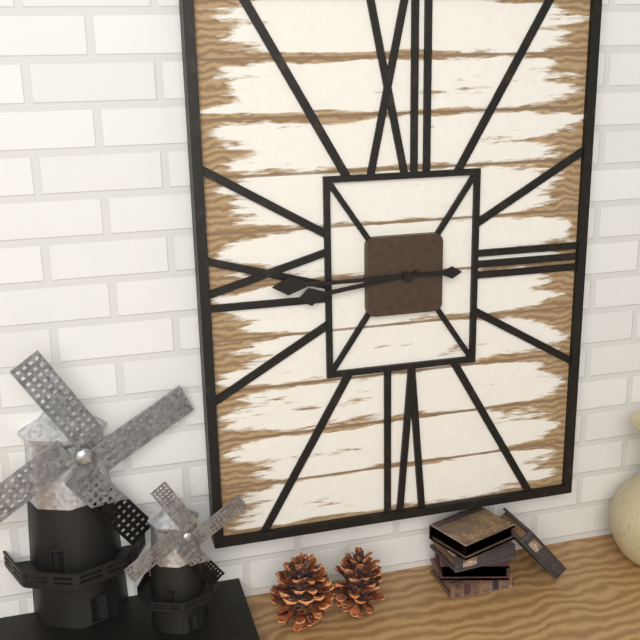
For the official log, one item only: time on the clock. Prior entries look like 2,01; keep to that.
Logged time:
8,45
